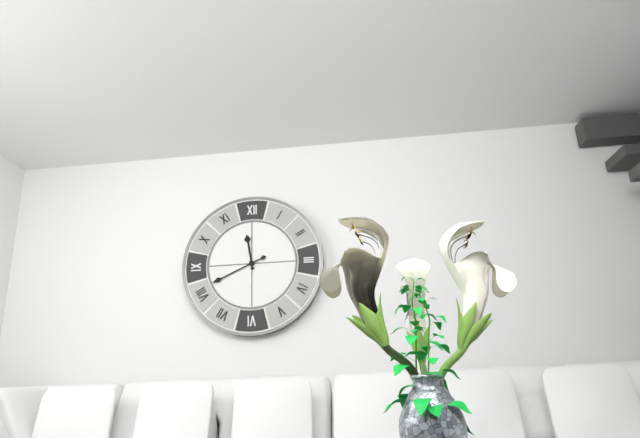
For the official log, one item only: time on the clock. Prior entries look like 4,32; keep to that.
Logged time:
11,41
